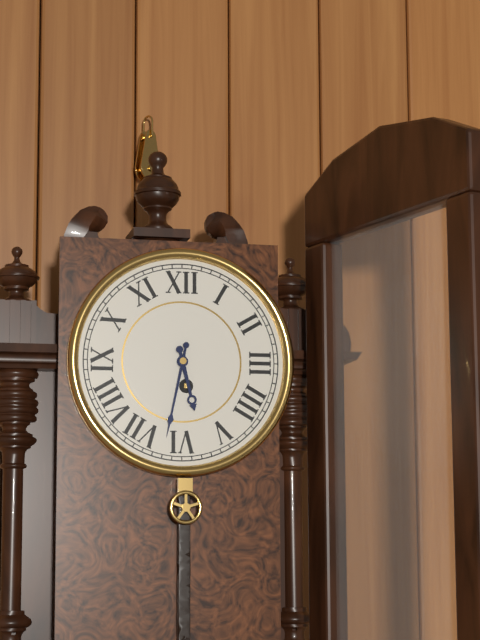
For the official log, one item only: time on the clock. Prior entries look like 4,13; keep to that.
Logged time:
5,32
